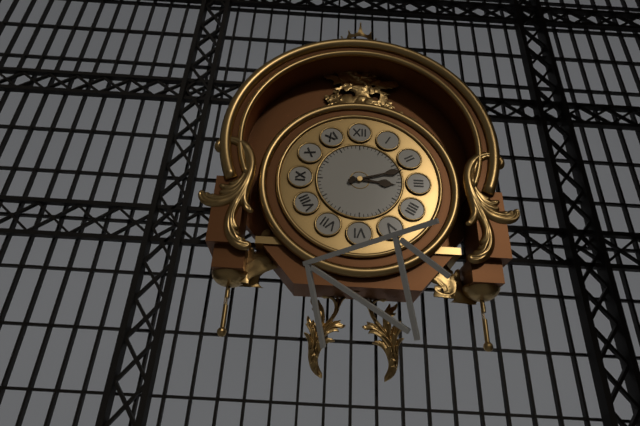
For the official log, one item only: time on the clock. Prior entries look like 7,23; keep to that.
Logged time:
3,12
